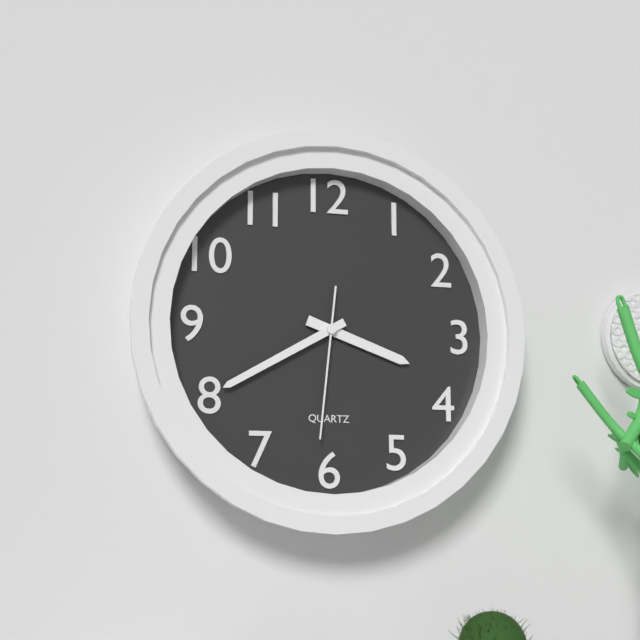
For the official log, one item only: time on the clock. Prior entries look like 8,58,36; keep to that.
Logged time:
3,40,31
